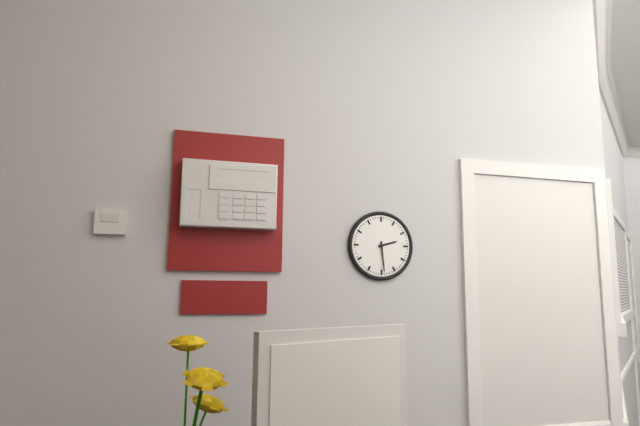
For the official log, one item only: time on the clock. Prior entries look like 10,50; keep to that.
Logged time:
2,29
